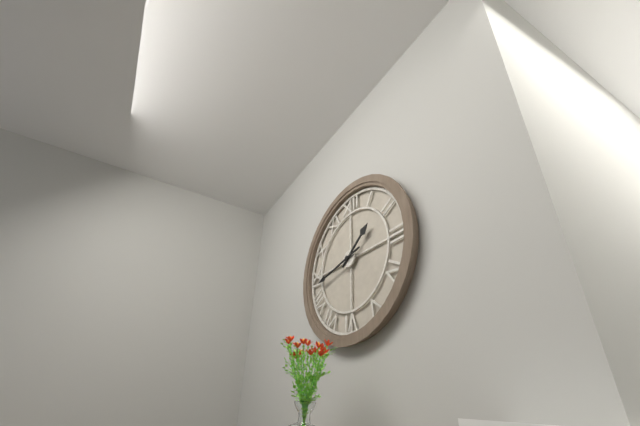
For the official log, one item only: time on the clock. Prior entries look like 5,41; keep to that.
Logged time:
1,43
